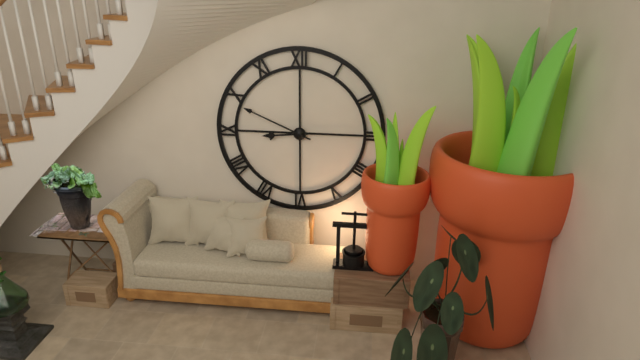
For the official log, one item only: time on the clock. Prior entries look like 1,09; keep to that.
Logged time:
8,49
